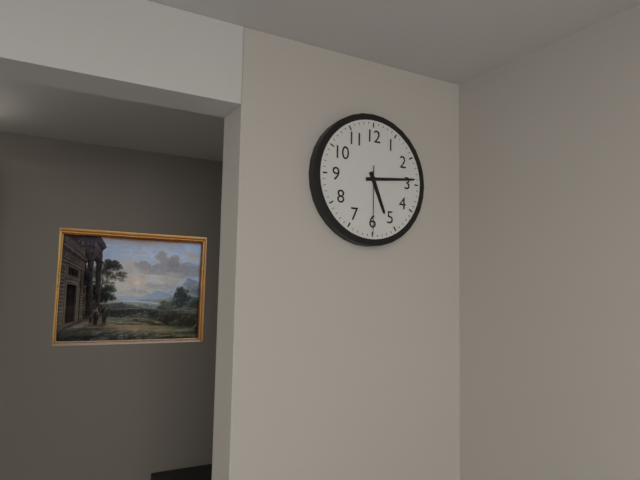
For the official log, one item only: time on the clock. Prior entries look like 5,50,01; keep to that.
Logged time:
5,14,30
